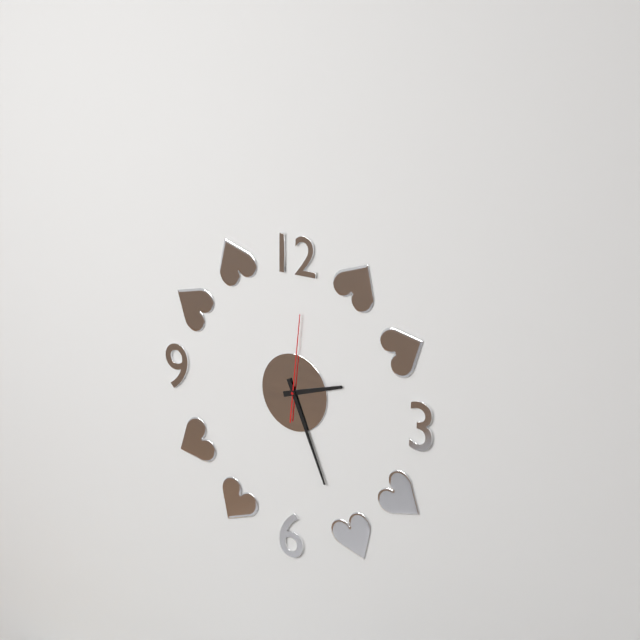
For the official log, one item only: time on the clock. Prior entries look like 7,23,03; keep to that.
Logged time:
2,26,01
